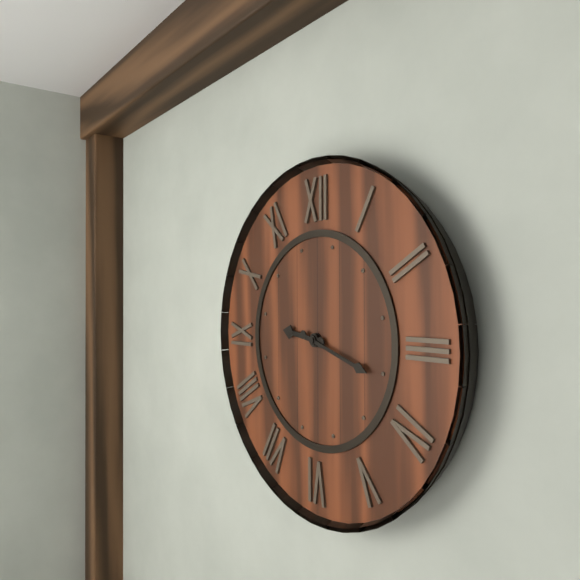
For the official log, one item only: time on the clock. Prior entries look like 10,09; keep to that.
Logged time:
9,18
